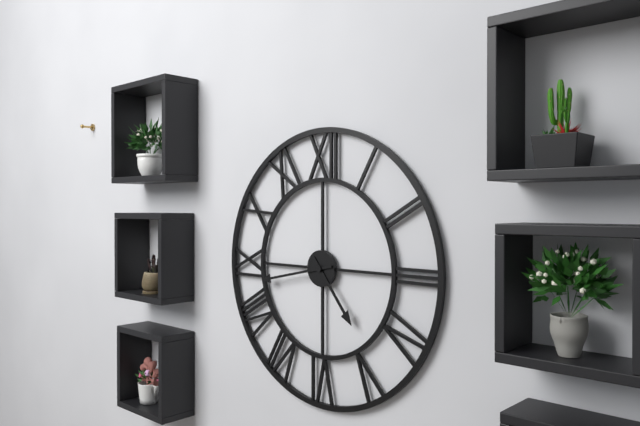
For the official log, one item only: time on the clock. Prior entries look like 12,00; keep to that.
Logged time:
4,43
